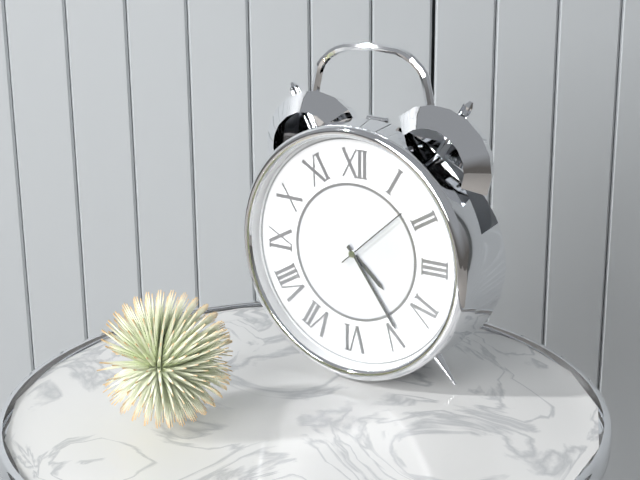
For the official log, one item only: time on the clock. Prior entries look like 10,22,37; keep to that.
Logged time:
4,24,08
